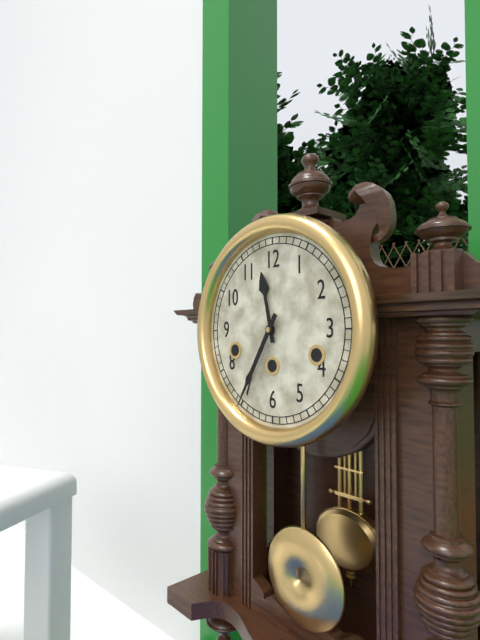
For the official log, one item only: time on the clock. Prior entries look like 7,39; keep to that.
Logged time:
11,35
